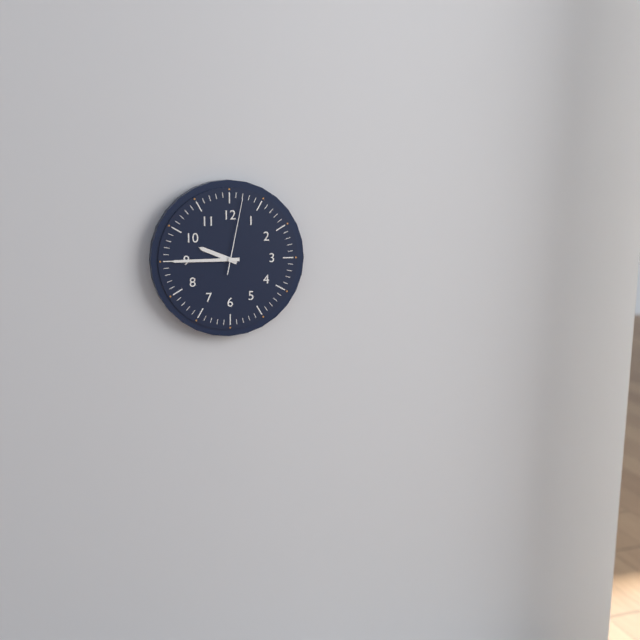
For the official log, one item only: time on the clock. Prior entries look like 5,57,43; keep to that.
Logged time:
9,45,02
